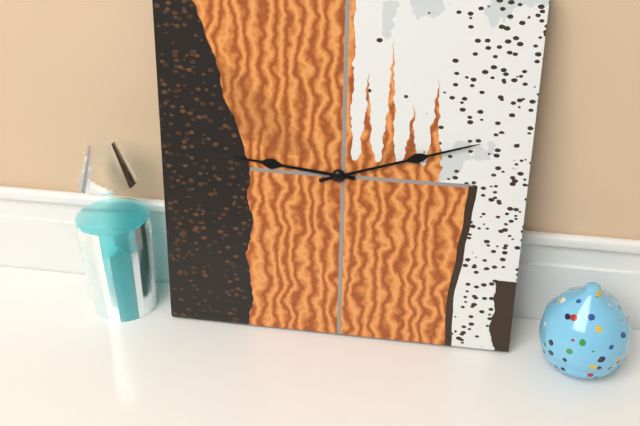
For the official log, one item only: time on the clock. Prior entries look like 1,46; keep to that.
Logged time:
9,12
